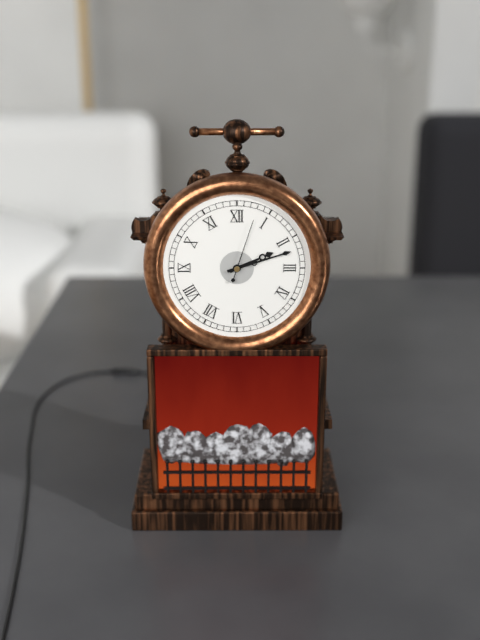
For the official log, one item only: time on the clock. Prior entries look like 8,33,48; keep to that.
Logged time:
2,12,03
